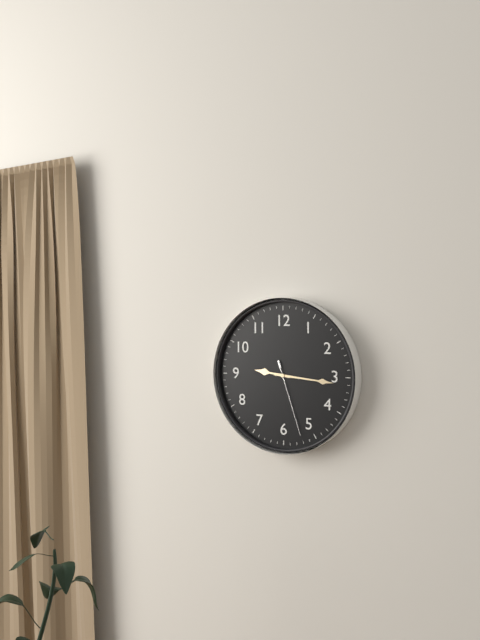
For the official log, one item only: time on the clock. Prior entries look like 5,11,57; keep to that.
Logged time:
9,16,27
